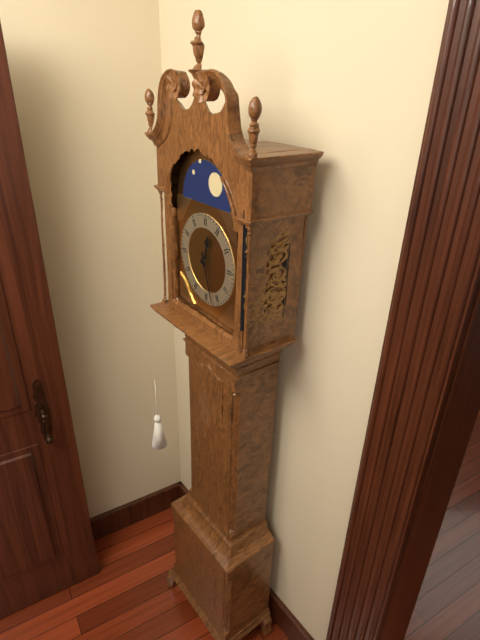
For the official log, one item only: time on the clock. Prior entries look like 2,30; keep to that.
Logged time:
12,27
